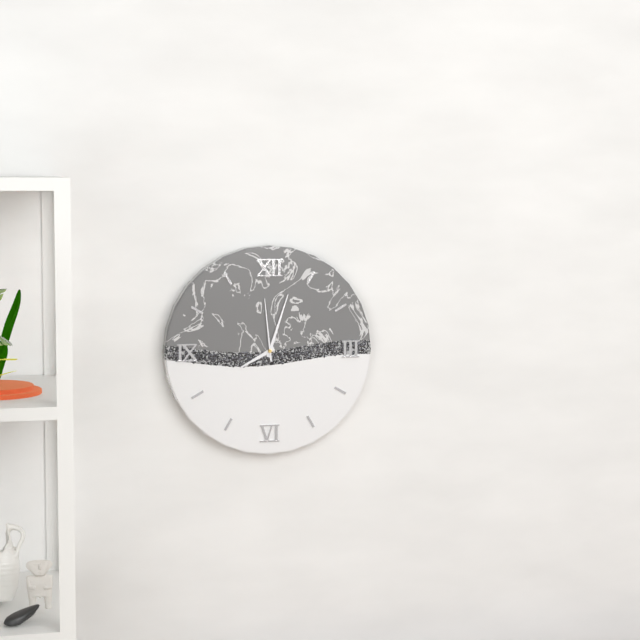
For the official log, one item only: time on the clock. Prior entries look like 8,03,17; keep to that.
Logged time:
8,03,59
